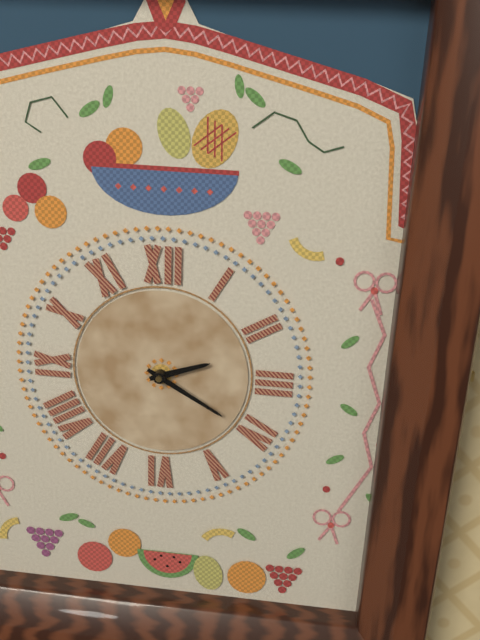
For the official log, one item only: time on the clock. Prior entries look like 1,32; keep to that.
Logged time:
2,20
